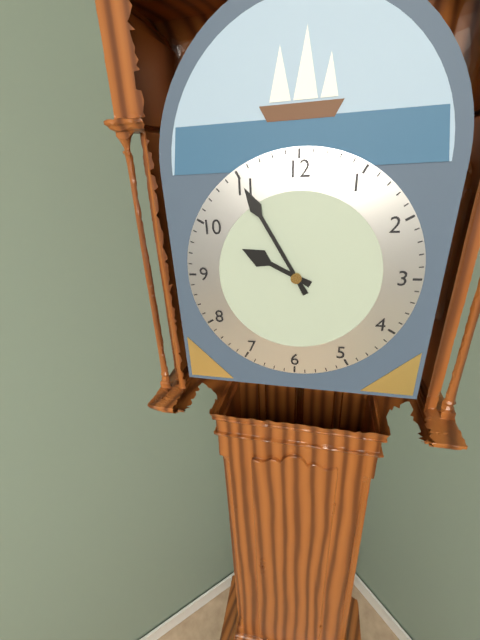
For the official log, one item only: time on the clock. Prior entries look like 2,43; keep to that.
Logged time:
9,55
